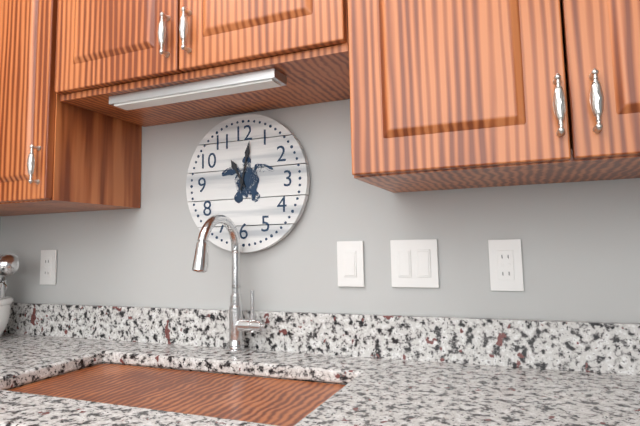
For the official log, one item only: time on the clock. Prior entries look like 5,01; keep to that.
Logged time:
11,02
